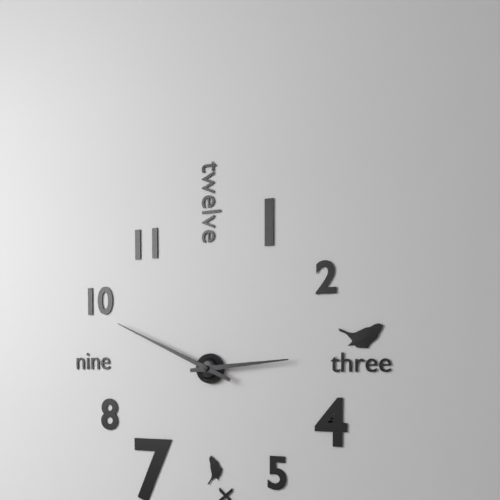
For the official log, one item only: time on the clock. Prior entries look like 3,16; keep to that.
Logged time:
2,49
